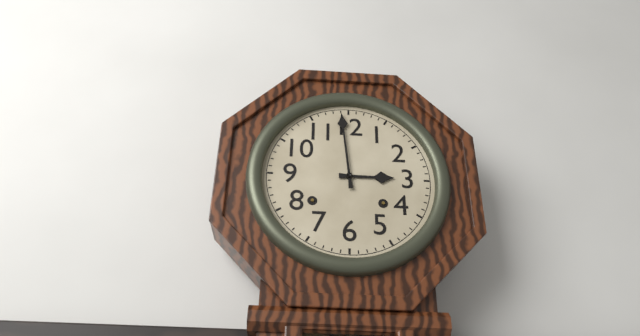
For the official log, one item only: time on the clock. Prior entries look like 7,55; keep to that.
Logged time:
2,59
